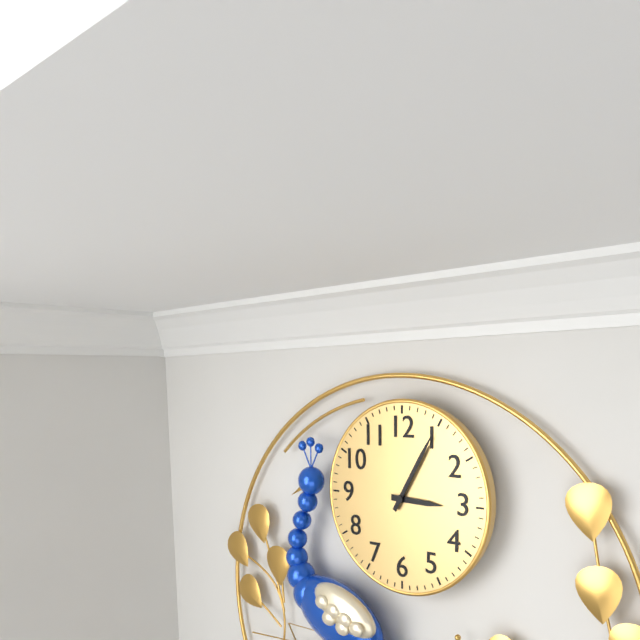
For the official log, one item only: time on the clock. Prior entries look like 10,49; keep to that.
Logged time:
3,05
